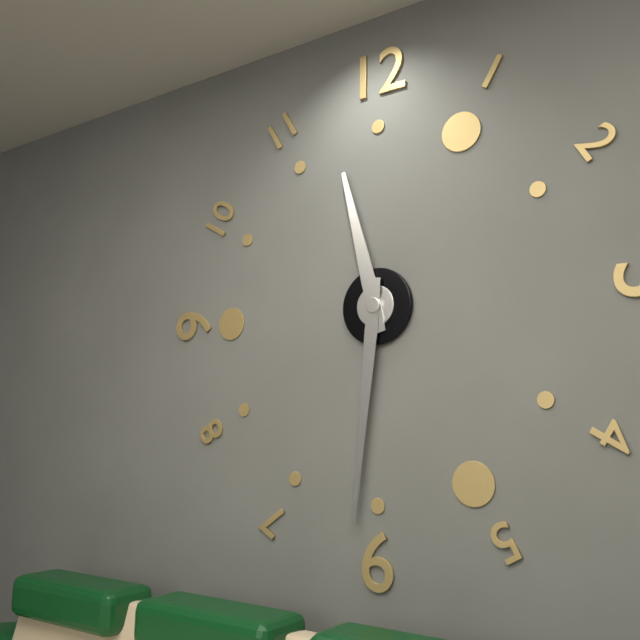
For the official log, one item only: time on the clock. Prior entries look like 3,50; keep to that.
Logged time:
11,31
